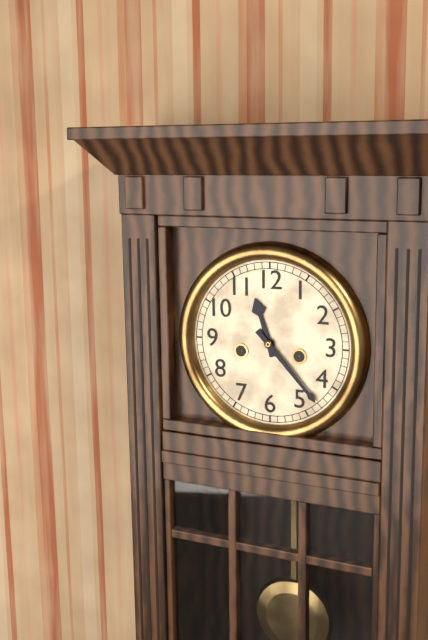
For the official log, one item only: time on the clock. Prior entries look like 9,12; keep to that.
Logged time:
11,23
